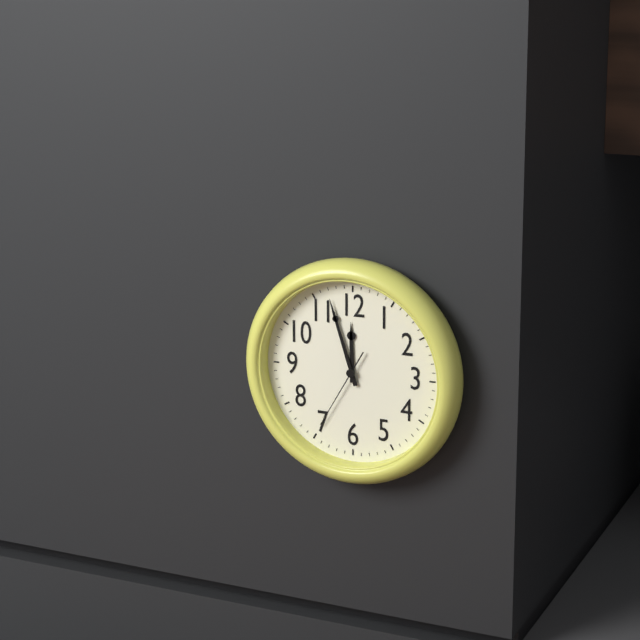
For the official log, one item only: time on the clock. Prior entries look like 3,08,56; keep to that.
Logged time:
11,57,35
